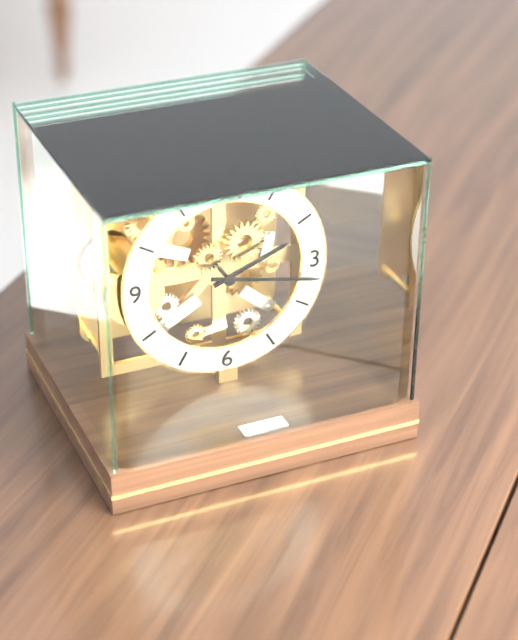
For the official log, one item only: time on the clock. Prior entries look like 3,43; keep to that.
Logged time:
2,17
